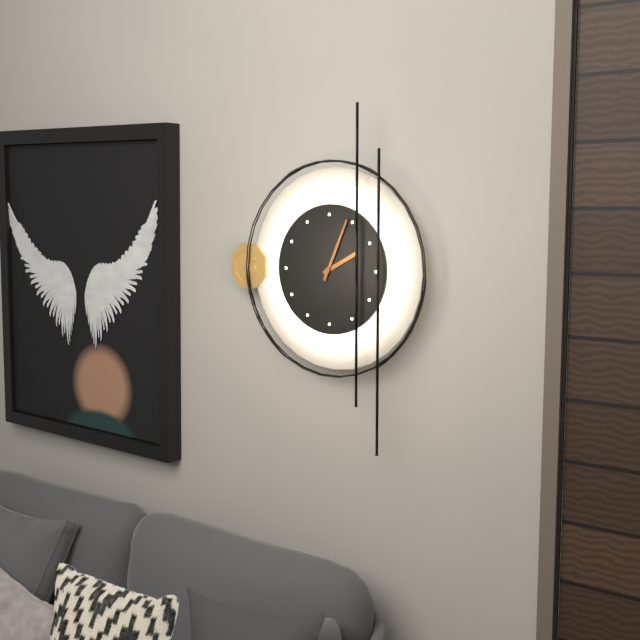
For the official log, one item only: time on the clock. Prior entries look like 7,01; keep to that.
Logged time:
2,04
